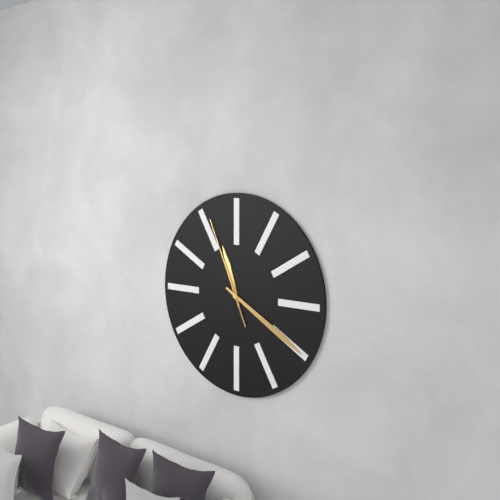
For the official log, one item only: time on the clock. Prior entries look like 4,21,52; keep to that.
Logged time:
11,20,56
